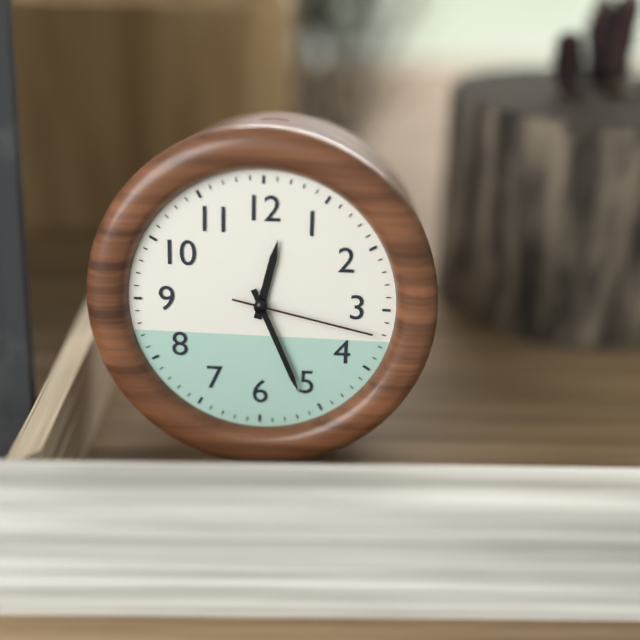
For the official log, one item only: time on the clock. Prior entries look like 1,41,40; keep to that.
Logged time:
12,26,17
